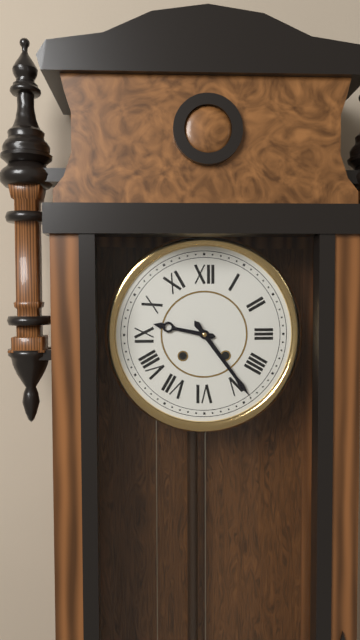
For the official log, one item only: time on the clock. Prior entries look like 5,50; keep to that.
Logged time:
9,24
